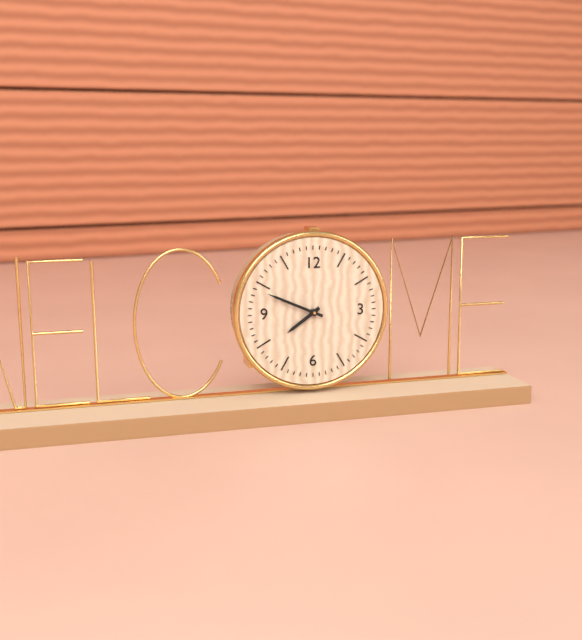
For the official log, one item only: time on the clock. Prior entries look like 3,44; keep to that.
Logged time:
7,49
